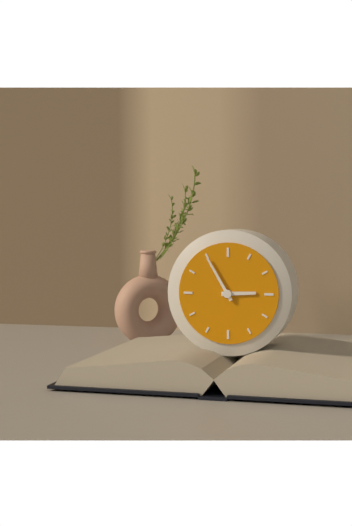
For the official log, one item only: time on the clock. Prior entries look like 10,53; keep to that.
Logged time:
2,55
